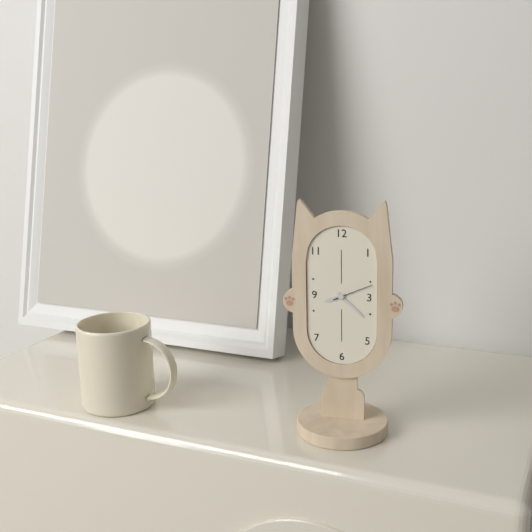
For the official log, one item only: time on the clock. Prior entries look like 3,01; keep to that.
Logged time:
8,22
